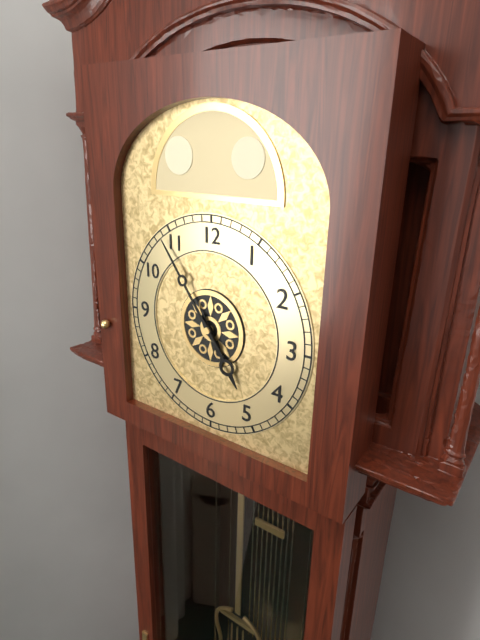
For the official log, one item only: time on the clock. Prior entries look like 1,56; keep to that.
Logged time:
4,54
